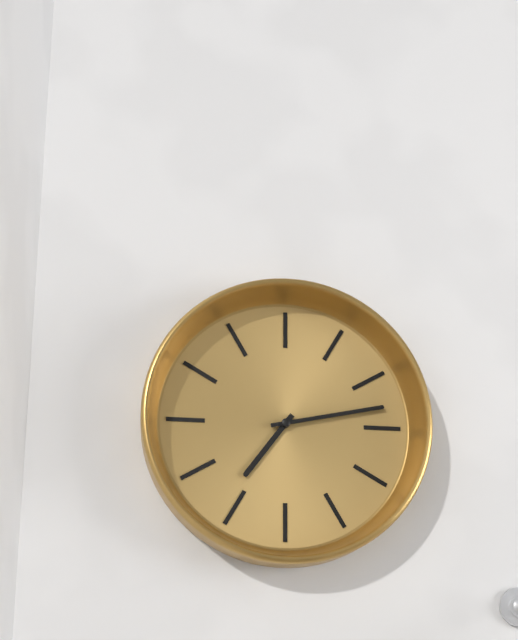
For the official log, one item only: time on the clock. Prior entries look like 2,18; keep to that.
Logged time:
7,13
